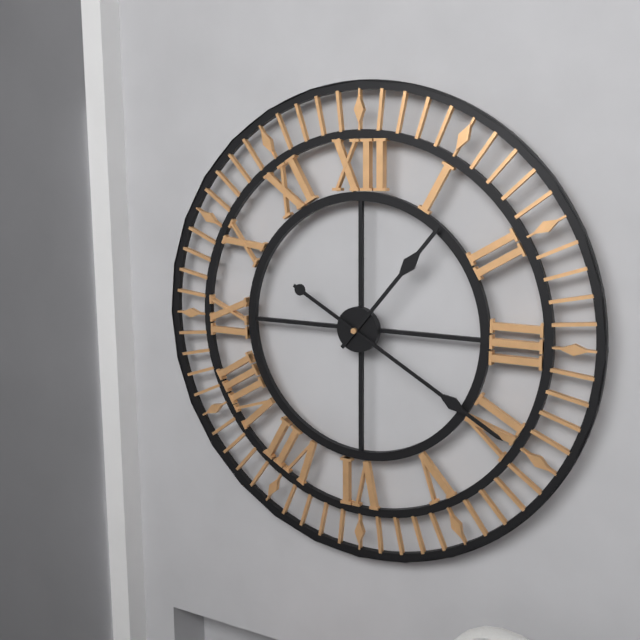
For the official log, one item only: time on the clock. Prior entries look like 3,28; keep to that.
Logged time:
1,20
